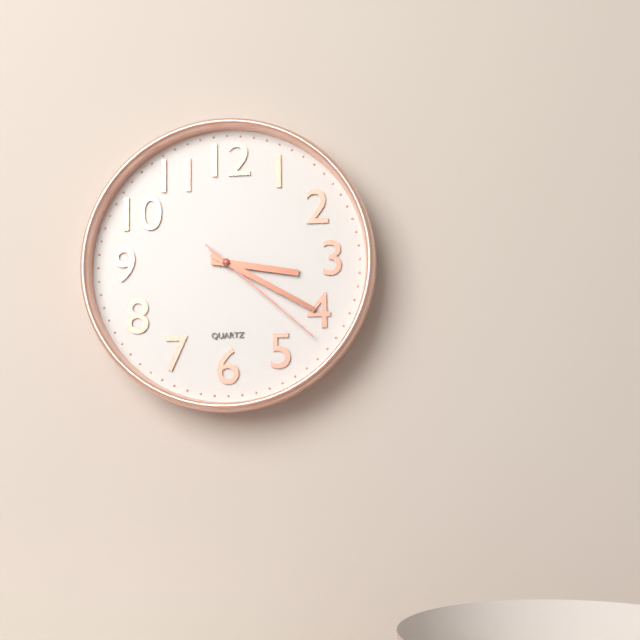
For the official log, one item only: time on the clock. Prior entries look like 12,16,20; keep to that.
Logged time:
3,20,22
